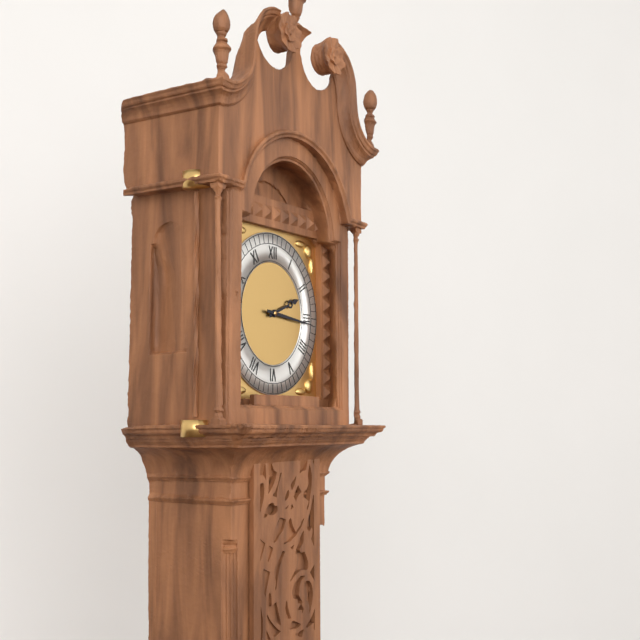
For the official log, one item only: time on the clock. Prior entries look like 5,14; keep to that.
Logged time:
2,16
